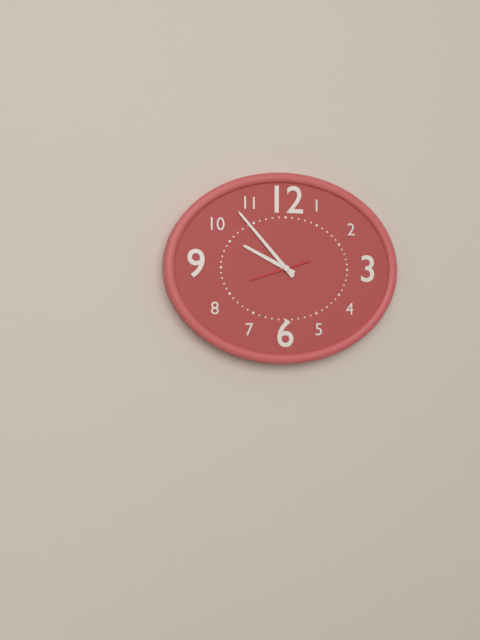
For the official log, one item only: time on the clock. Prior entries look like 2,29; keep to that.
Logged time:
9,53
